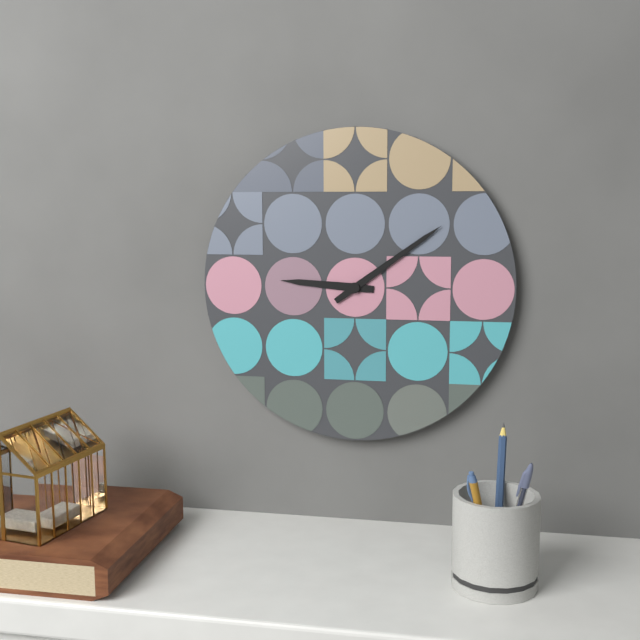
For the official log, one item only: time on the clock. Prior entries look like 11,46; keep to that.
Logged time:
9,09
